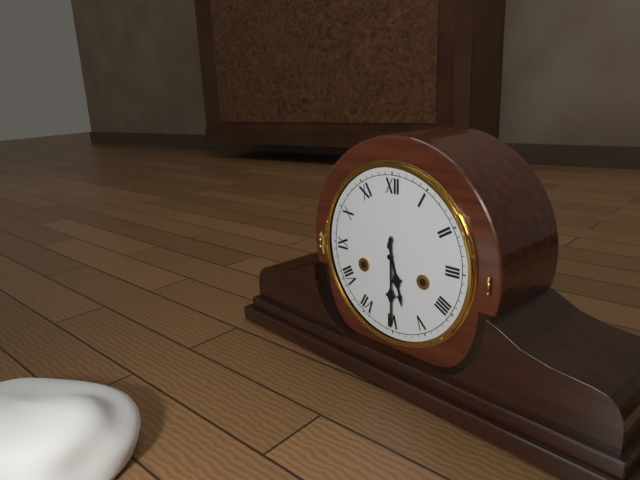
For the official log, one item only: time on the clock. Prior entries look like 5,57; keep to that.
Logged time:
5,30
